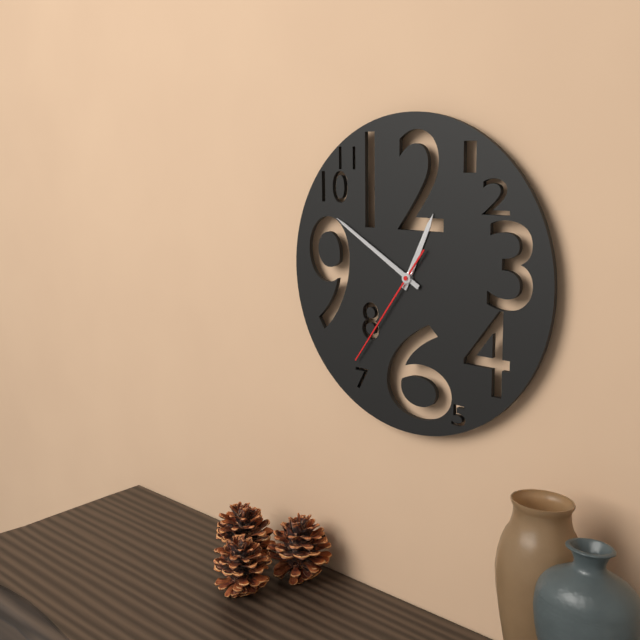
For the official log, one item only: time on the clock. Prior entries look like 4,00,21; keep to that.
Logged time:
12,50,36
